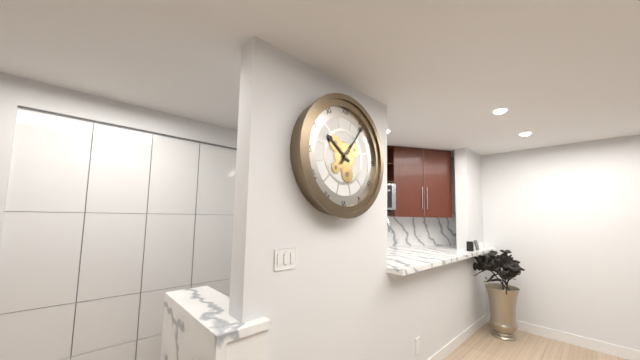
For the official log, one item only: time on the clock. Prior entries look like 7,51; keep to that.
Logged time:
10,06
